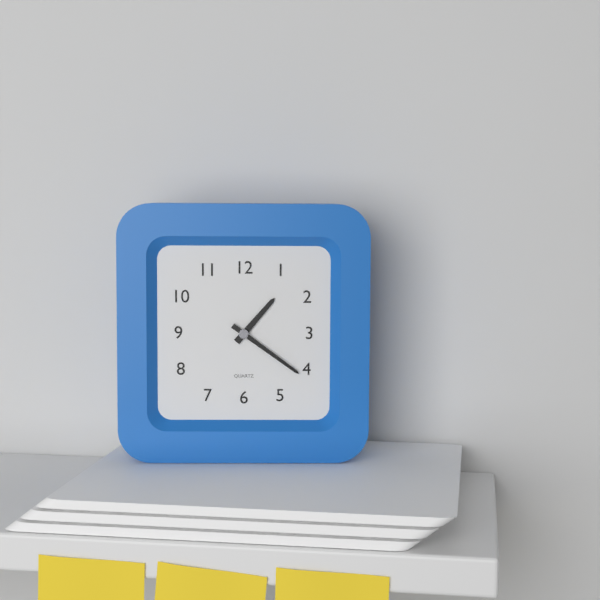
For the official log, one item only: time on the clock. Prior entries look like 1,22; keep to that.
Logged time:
1,21
